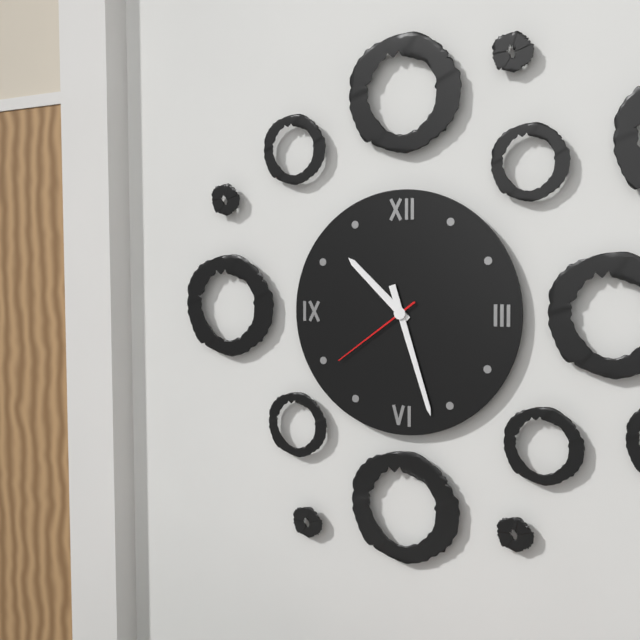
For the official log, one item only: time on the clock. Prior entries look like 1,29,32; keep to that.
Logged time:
10,27,39
